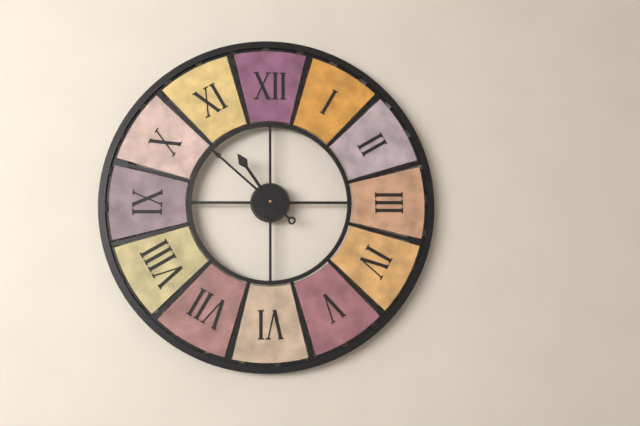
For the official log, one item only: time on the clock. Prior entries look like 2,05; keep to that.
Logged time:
10,52
